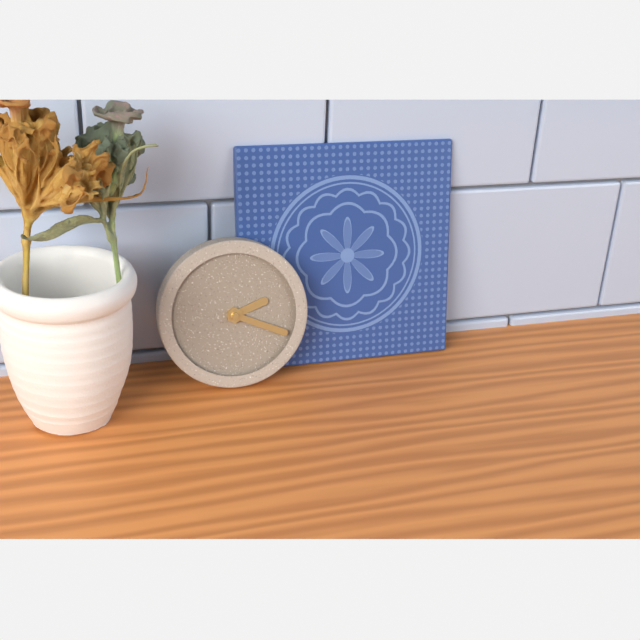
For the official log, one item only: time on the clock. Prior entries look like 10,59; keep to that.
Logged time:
2,19
